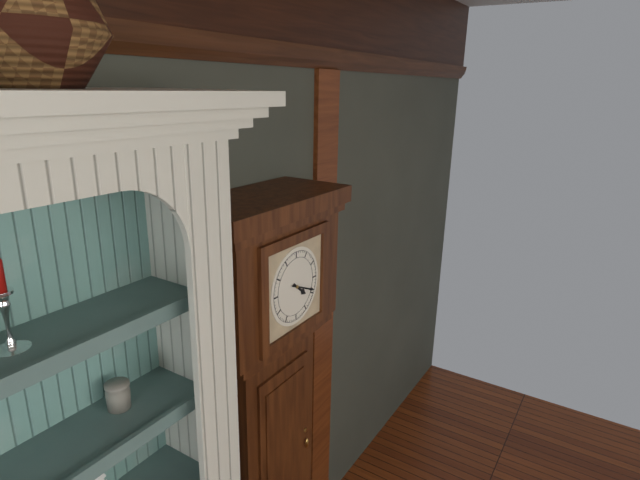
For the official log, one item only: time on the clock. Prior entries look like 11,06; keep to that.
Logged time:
4,19
